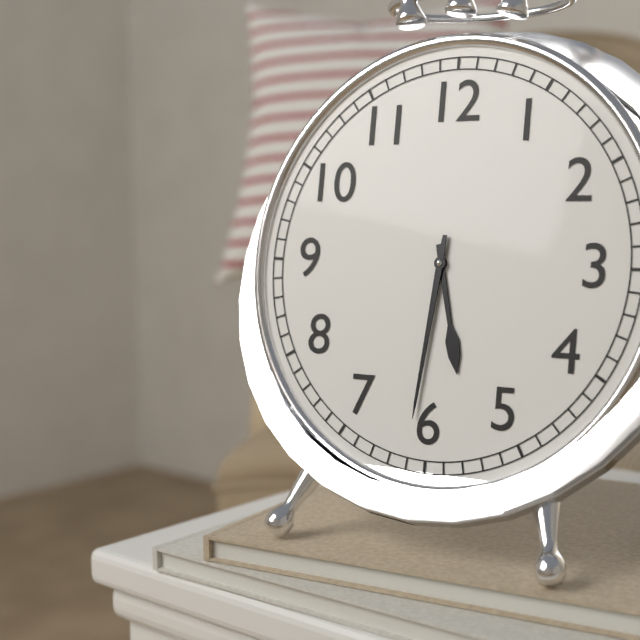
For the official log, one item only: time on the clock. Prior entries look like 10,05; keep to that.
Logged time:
5,31
